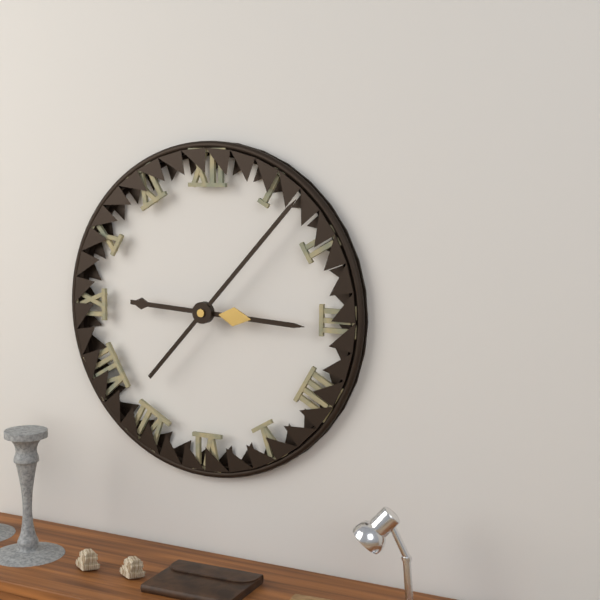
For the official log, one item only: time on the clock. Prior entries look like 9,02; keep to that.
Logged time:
3,07
